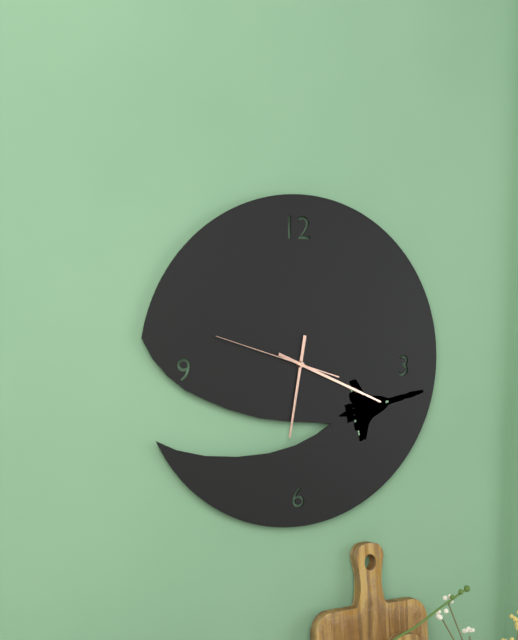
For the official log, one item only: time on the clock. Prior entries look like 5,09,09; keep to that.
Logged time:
6,19,48
